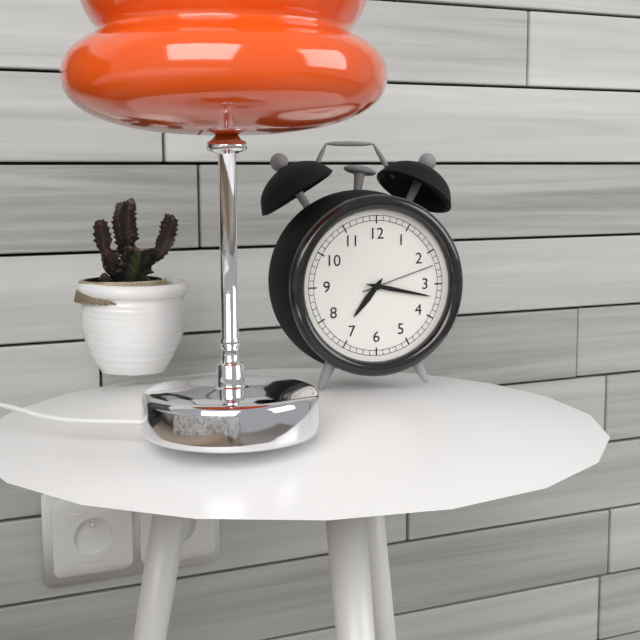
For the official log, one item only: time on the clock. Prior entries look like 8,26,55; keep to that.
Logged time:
7,17,12
